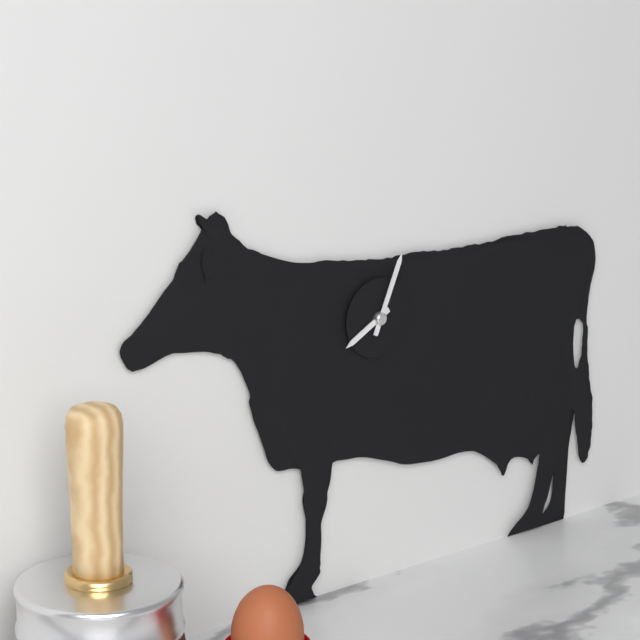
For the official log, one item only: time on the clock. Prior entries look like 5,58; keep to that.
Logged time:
8,04
